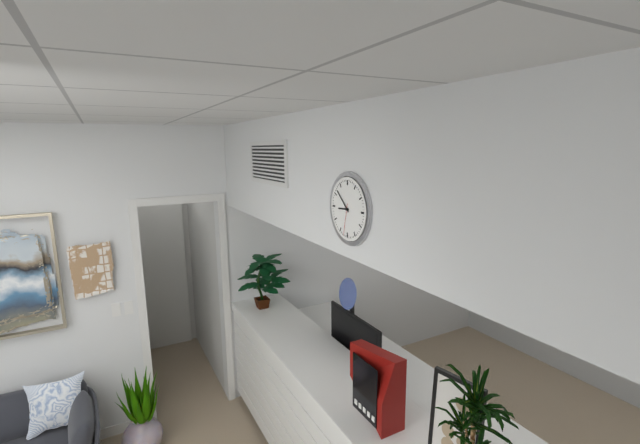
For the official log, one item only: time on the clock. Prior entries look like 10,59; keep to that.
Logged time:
8,52
